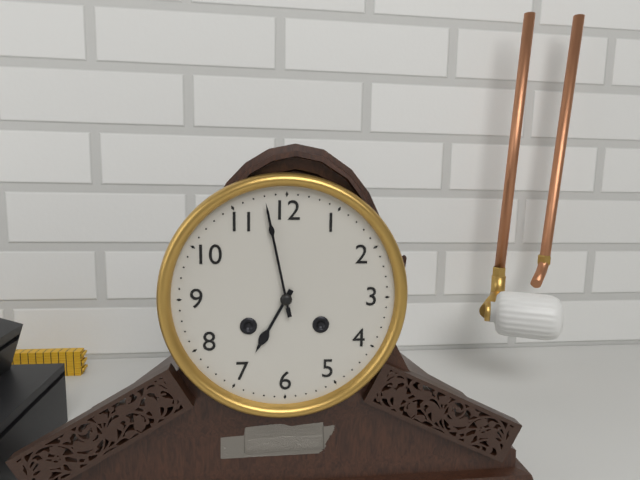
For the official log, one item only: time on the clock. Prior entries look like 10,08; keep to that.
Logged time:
6,58
